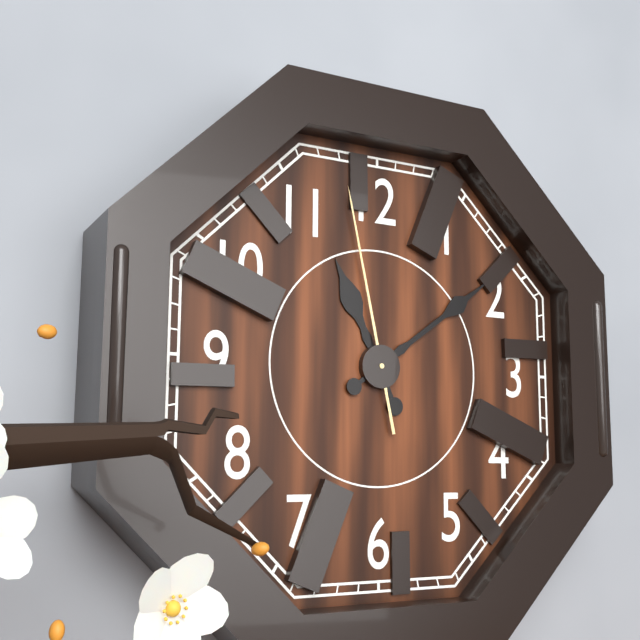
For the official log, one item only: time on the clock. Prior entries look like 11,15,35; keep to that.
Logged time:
11,09,58
